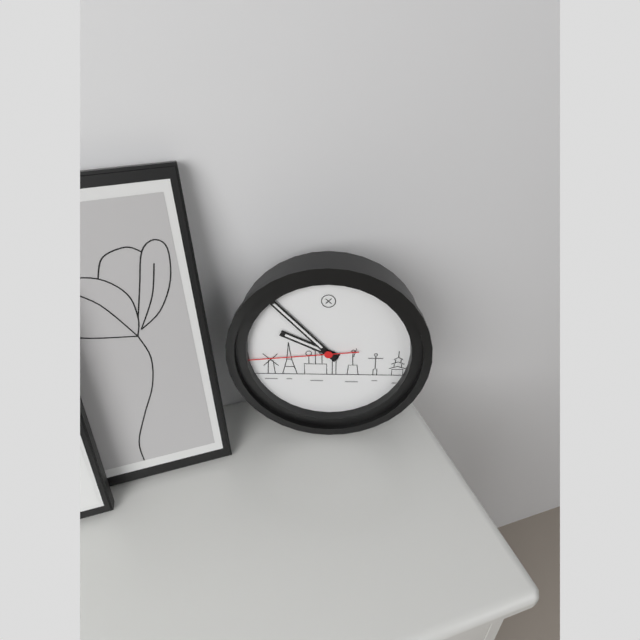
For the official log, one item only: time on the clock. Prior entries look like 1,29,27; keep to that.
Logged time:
9,53,44
